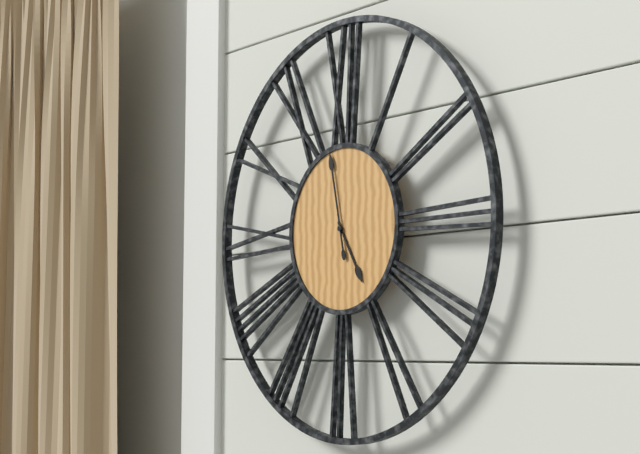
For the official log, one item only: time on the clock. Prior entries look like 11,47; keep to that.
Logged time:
4,58
